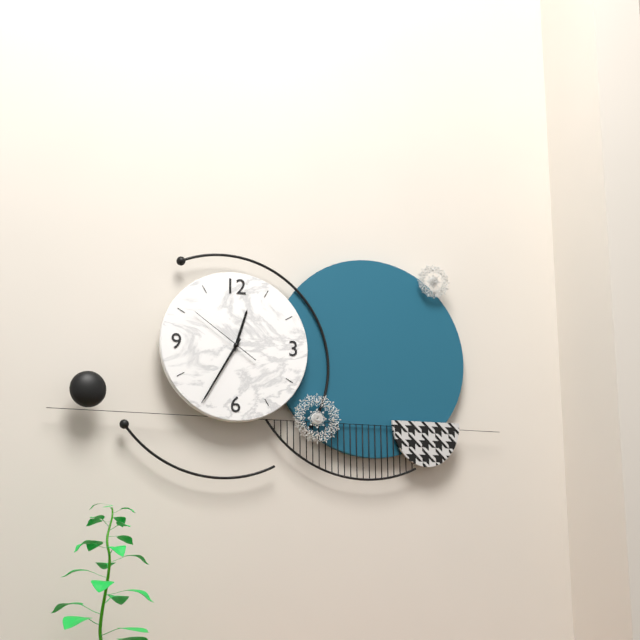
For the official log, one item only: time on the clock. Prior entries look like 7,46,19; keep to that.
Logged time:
12,35,51
